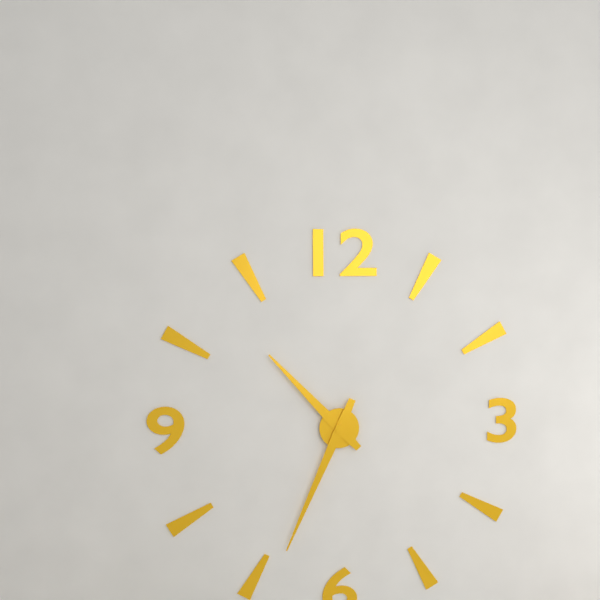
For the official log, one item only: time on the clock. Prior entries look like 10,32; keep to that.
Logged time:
10,34
